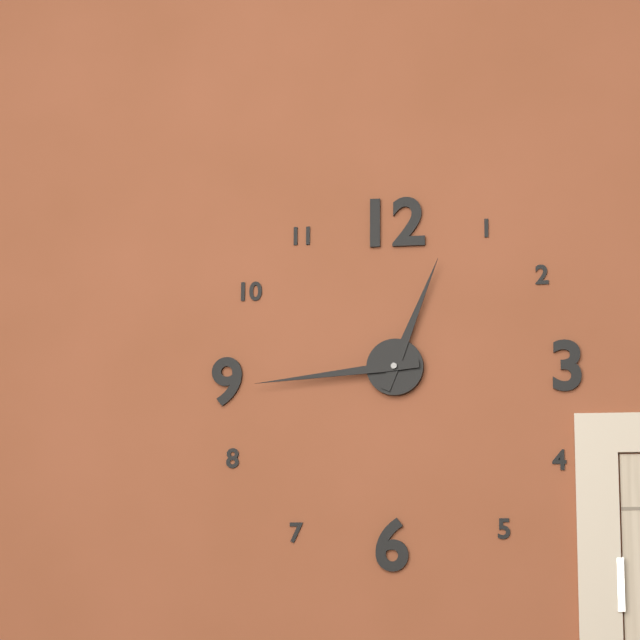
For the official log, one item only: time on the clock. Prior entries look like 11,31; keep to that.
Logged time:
12,44
